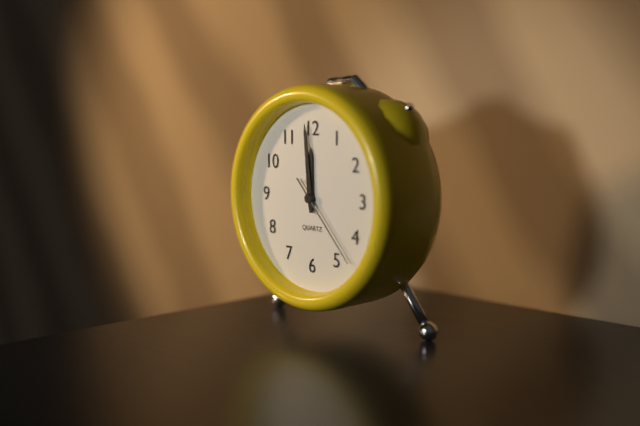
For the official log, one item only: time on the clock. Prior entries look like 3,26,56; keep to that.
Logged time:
11,59,23
